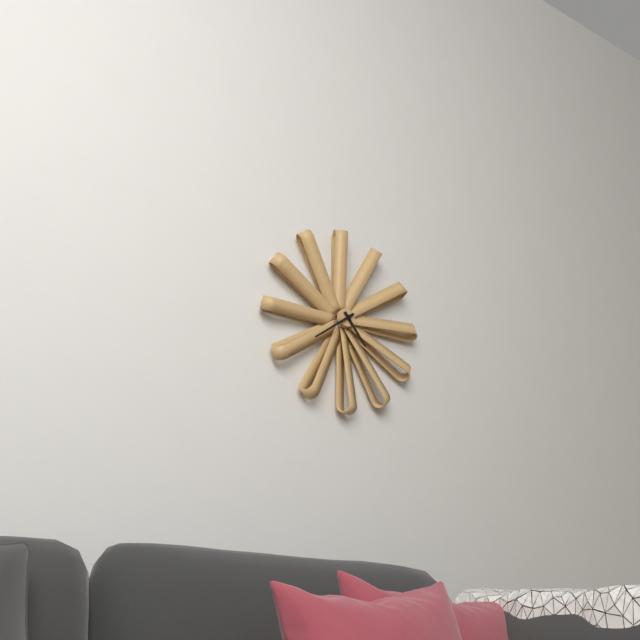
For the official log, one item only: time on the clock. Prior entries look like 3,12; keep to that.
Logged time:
4,39
